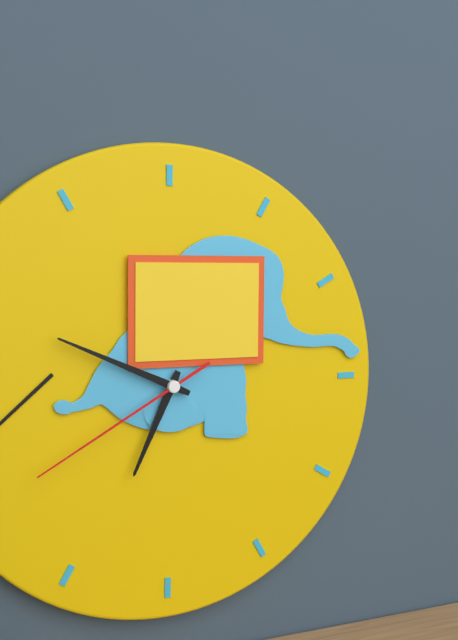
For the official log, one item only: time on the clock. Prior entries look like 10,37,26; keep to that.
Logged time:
6,49,40
